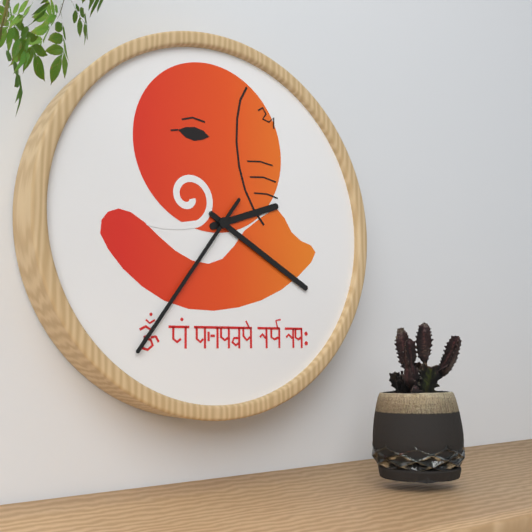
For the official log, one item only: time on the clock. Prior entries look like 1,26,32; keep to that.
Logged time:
2,20,36
